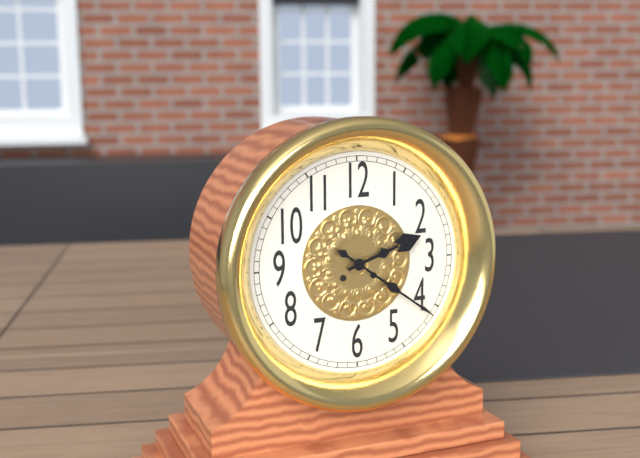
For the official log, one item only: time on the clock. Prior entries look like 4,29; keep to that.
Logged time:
2,21
